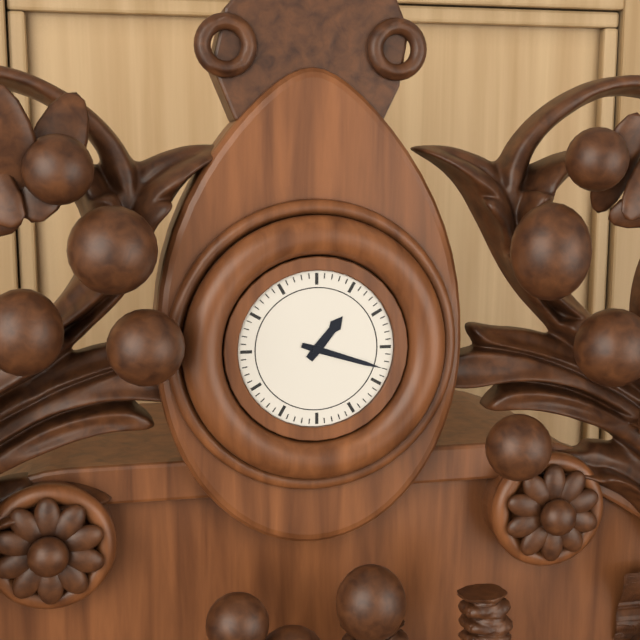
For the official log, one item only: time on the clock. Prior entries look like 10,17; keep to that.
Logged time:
1,18
